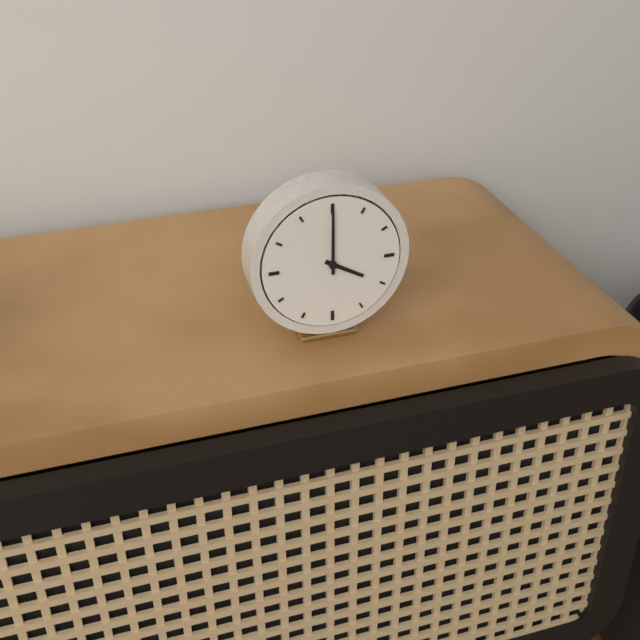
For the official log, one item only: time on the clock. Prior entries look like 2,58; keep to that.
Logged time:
4,00
